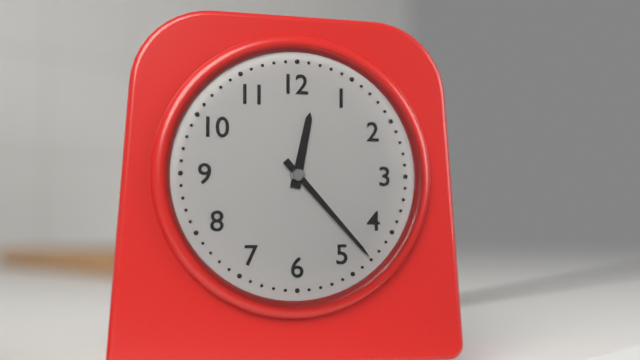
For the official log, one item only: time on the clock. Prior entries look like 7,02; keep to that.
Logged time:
12,23
